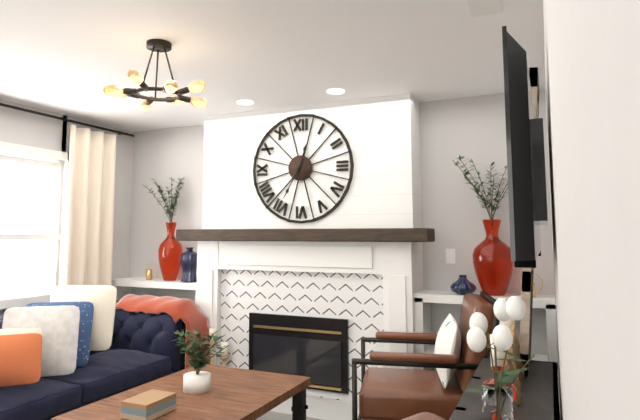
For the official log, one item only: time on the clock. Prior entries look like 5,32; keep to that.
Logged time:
12,35
